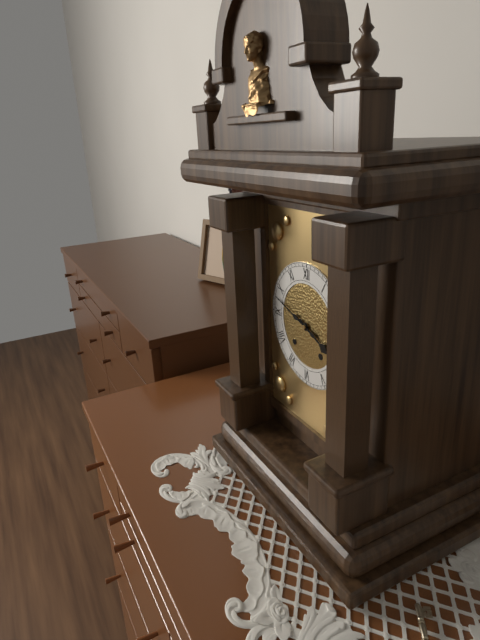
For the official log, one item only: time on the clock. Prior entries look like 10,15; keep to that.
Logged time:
3,48
